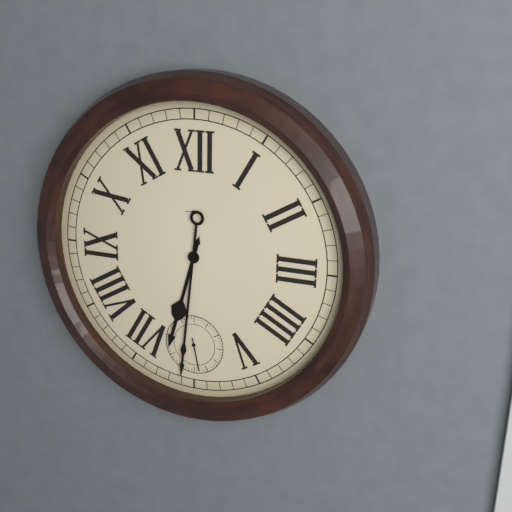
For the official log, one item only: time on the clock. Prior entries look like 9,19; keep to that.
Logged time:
6,31
